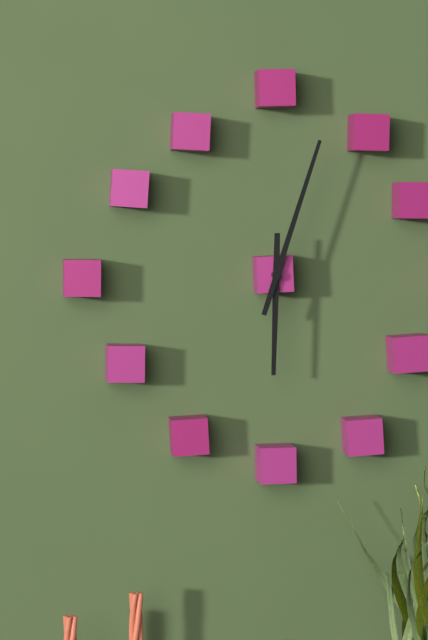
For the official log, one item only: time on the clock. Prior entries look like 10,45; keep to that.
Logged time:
6,03
